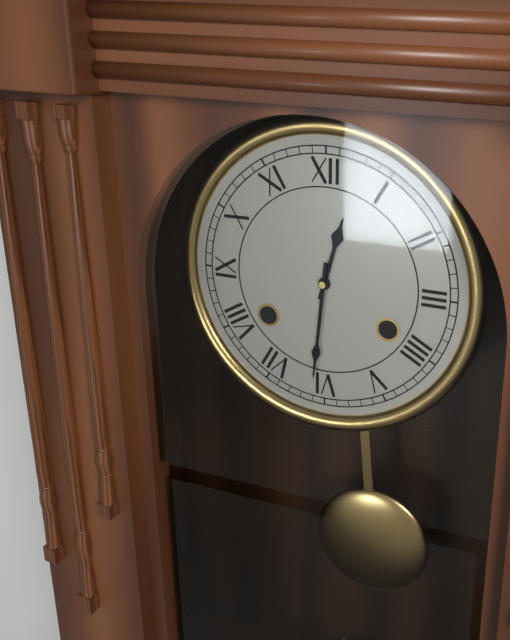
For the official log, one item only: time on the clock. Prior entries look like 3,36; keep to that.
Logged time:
12,31
